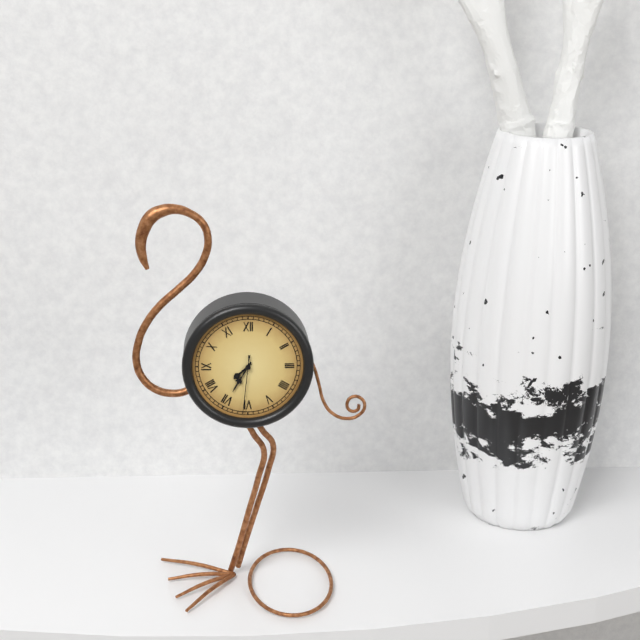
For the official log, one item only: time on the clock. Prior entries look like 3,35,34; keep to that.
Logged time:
7,35,31
